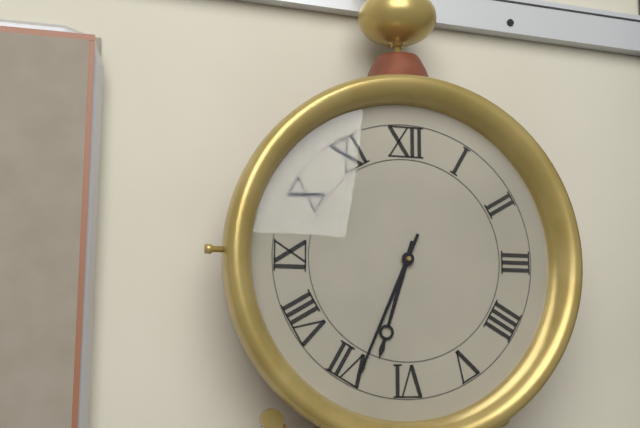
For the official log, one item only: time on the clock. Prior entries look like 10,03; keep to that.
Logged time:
6,34
